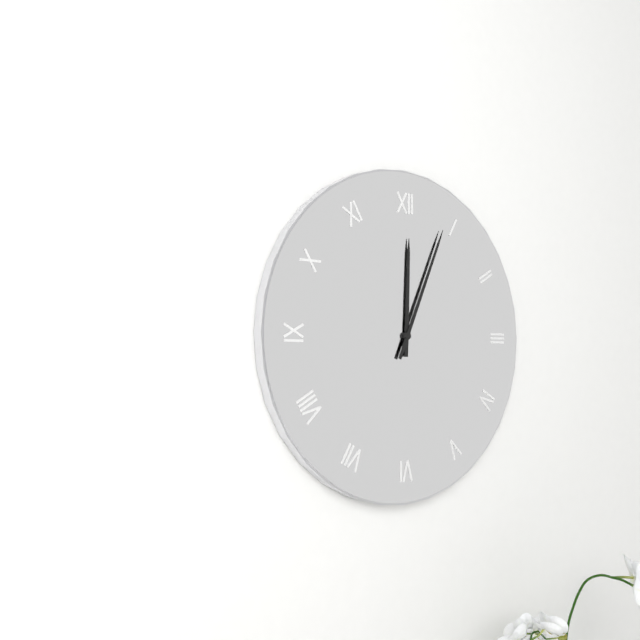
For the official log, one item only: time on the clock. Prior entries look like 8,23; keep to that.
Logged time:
12,04
